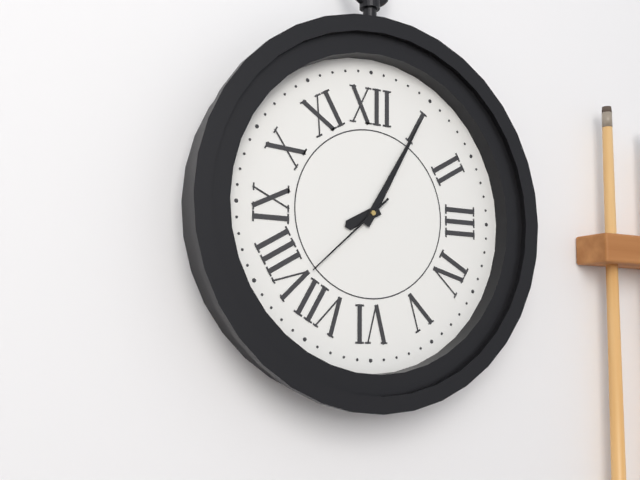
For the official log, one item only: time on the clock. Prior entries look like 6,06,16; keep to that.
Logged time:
8,05,38
